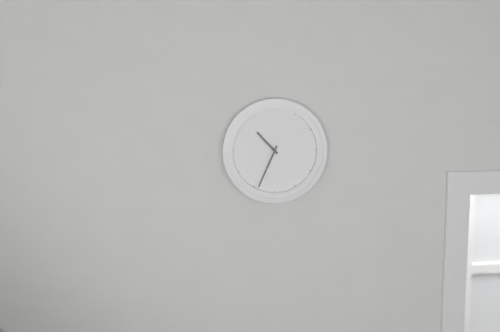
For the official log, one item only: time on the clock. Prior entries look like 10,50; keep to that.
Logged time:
10,34
